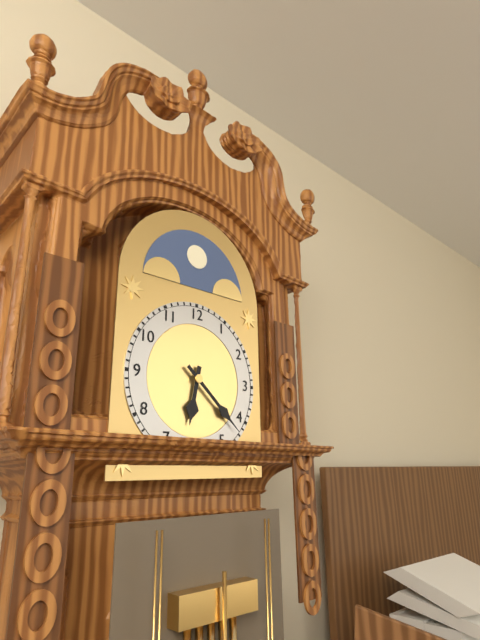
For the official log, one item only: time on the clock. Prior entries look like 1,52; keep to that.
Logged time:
6,22
